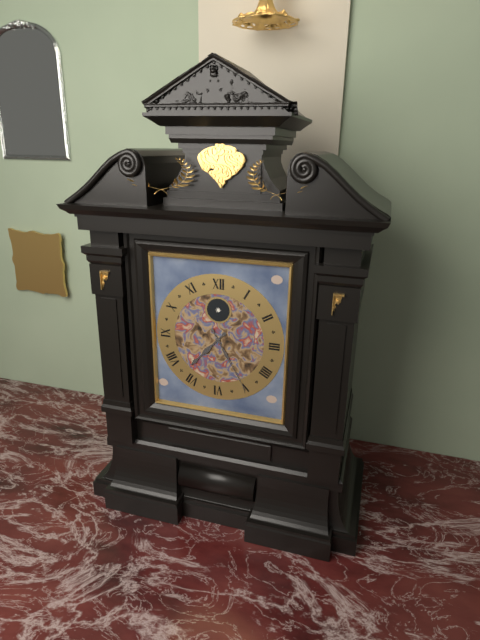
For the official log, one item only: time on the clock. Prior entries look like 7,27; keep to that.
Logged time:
7,25
